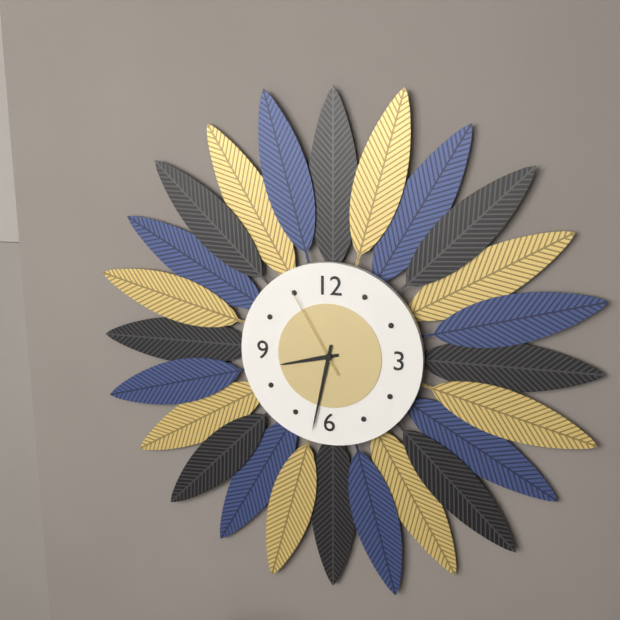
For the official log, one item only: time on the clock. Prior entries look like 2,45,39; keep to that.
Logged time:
8,32,55
